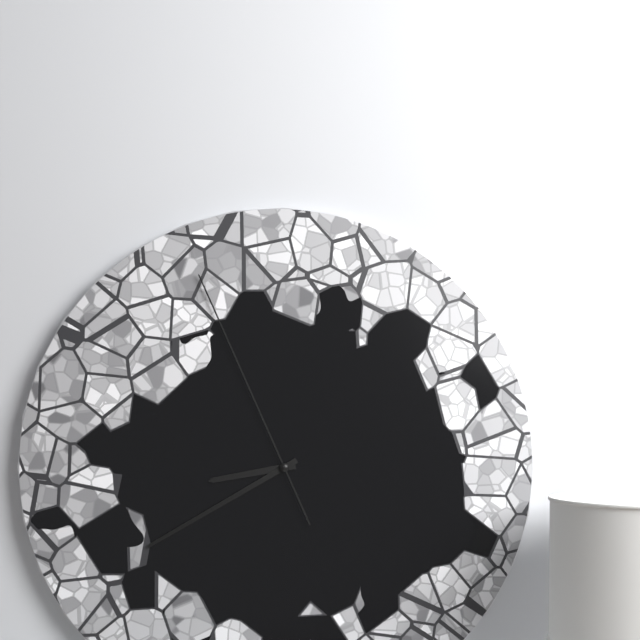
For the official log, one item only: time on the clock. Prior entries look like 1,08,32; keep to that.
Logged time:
8,40,56
